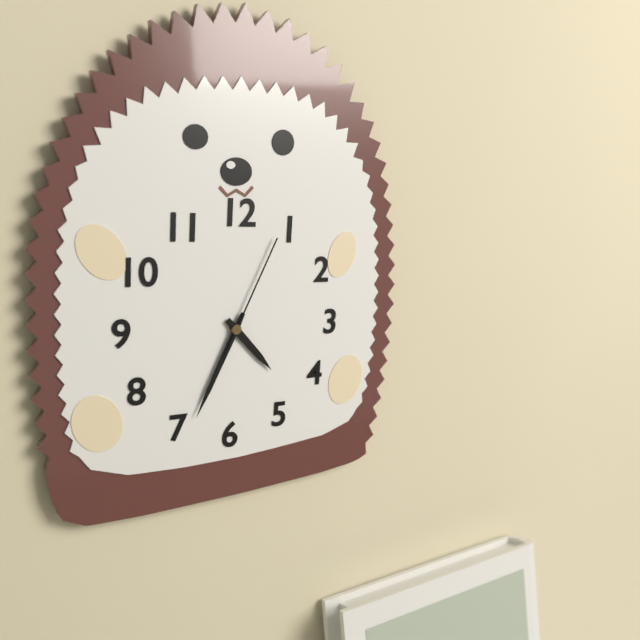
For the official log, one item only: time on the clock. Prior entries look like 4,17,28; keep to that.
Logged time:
4,34,04
